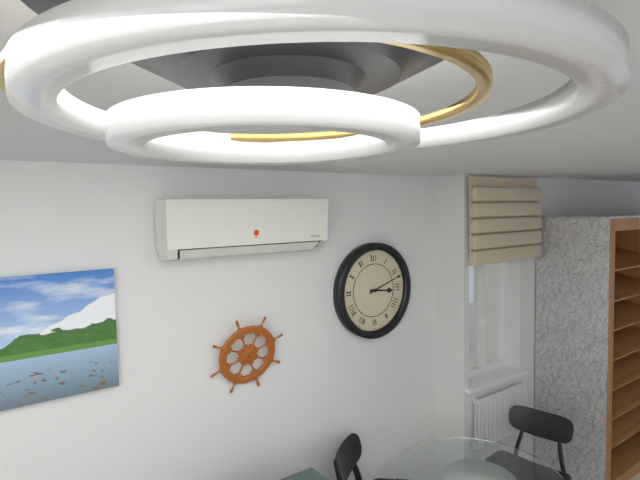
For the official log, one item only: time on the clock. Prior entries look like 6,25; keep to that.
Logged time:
3,12
